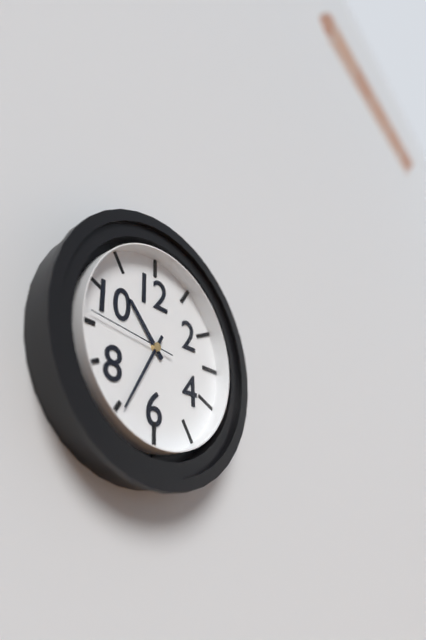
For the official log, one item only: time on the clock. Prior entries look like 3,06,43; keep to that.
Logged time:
10,35,46
